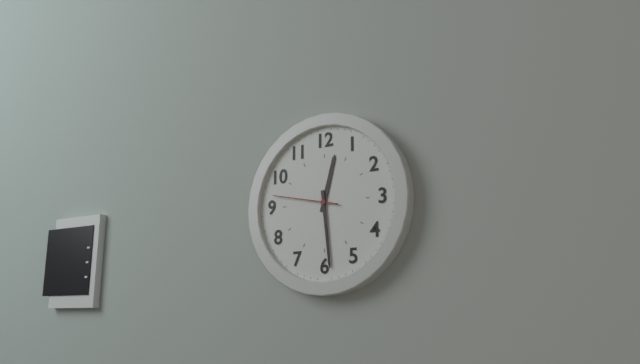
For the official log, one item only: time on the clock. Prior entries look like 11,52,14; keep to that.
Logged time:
12,29,47
